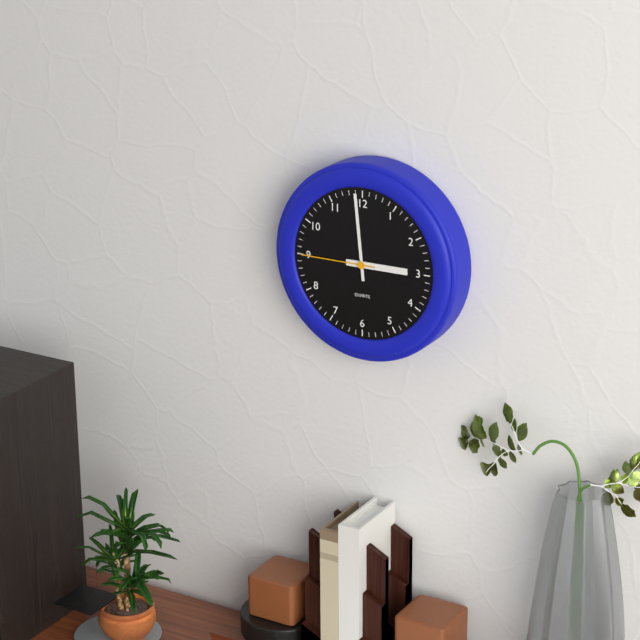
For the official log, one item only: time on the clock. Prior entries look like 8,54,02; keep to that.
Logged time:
2,59,45
